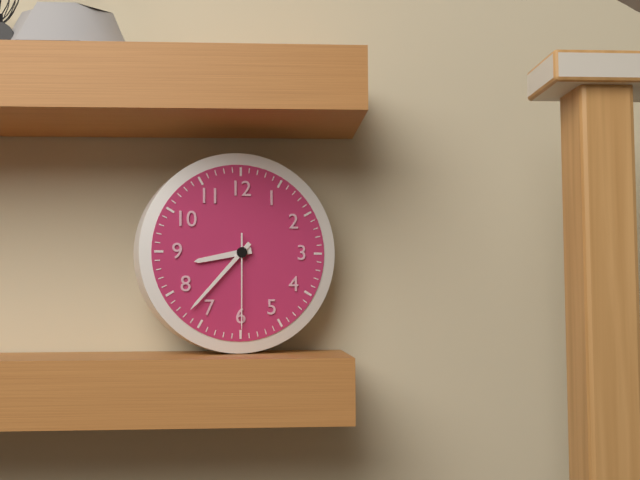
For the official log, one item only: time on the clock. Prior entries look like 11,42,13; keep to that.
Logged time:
8,37,30
